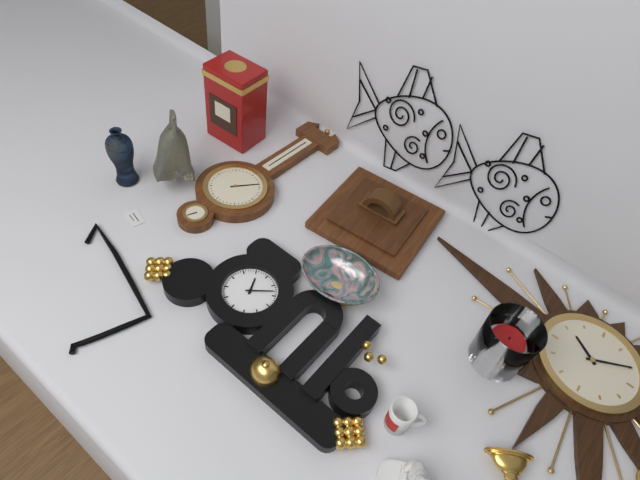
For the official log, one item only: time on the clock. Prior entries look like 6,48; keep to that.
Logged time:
11,08
